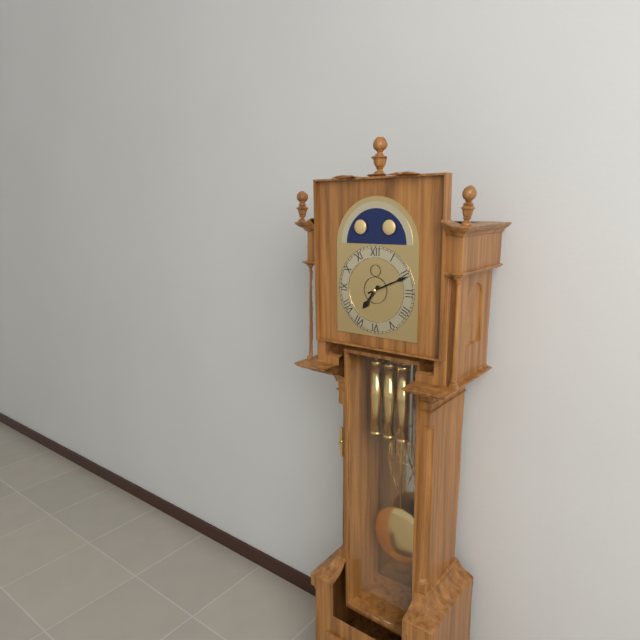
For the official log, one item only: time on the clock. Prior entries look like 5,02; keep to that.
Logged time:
7,11
